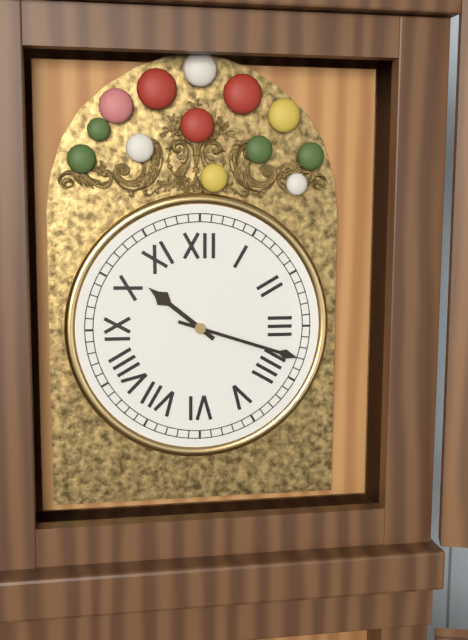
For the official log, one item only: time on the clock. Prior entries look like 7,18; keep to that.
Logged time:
10,18
